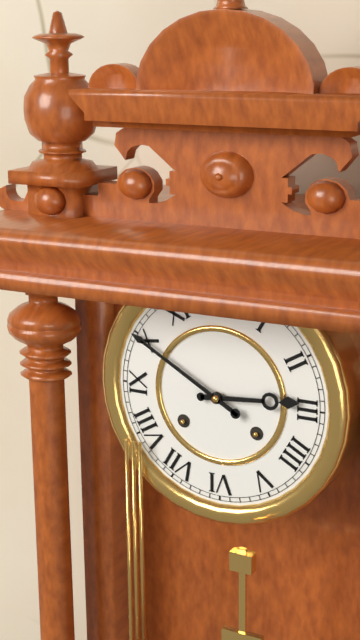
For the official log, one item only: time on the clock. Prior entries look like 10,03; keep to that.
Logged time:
2,50
